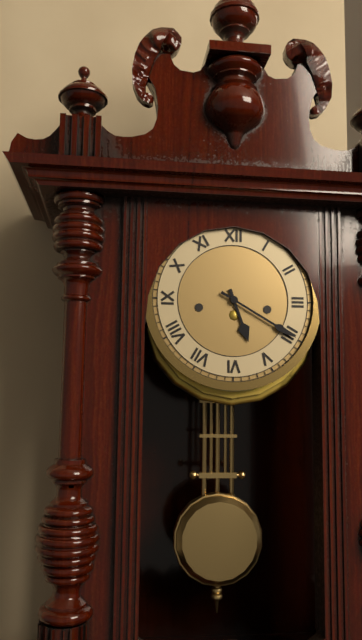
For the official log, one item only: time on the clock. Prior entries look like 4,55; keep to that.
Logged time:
5,20
